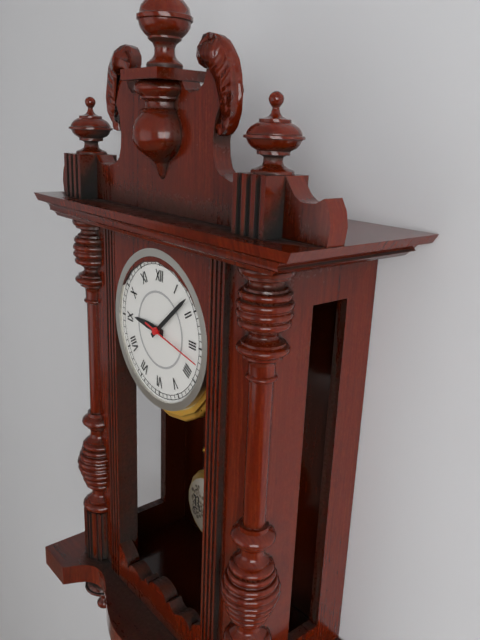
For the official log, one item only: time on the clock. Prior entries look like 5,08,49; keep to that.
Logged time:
9,08,17
